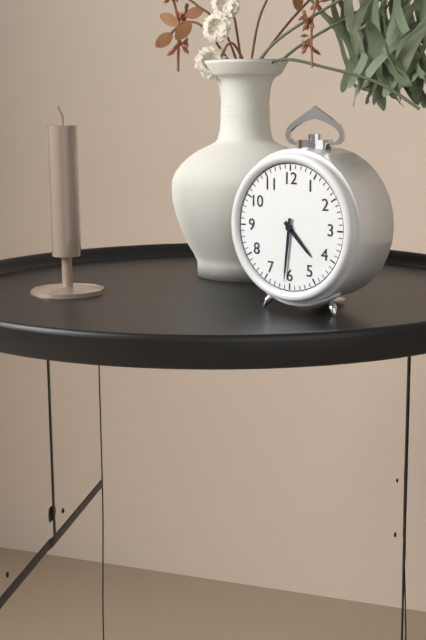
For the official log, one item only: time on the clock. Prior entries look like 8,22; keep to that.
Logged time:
4,31
